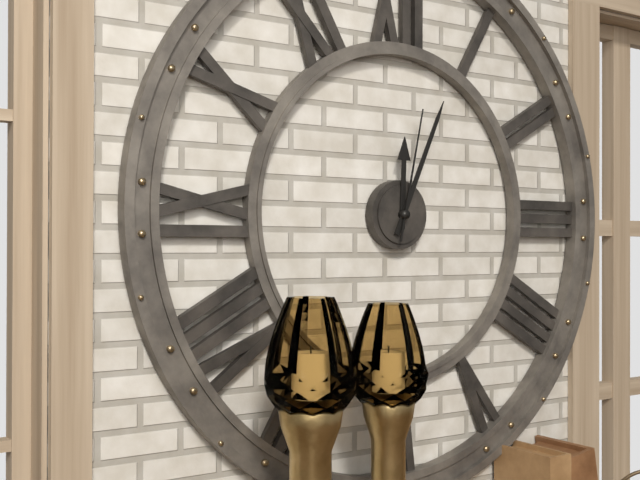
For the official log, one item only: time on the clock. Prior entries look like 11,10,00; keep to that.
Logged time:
12,04,02
